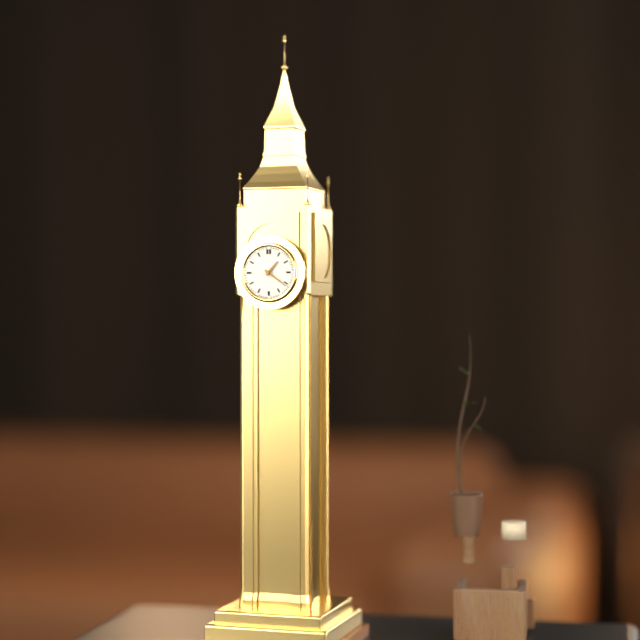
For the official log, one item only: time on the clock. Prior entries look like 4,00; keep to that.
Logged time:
1,21
